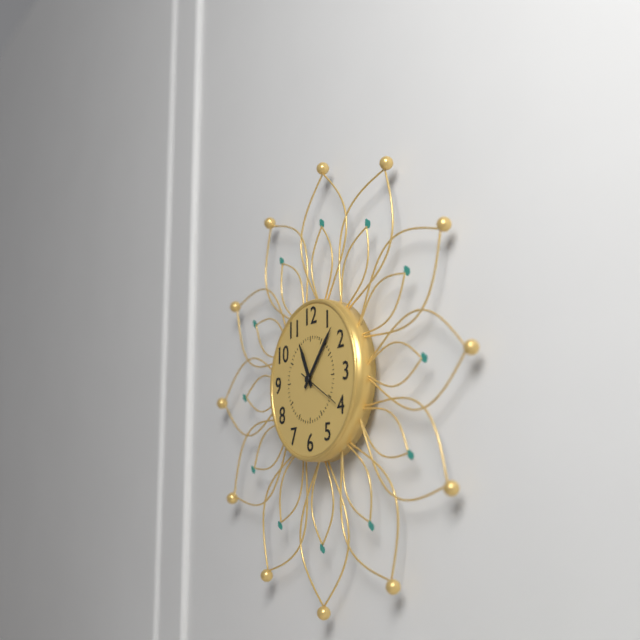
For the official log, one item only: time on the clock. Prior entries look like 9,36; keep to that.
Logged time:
11,07
